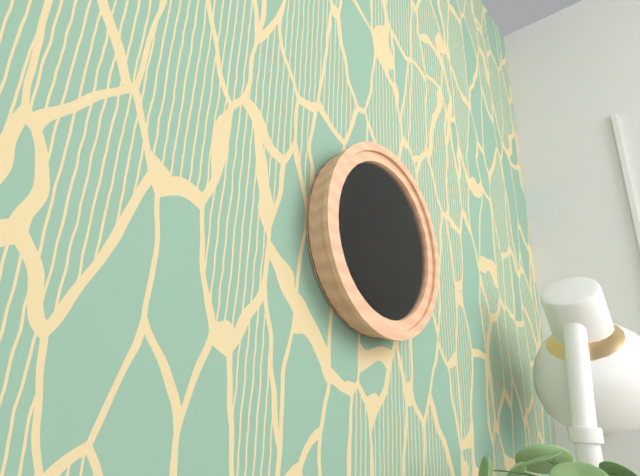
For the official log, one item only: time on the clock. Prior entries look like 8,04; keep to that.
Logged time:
2,18
